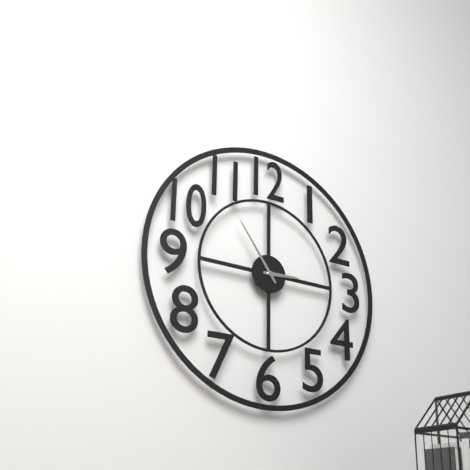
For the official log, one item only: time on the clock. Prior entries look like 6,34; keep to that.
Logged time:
2,54
